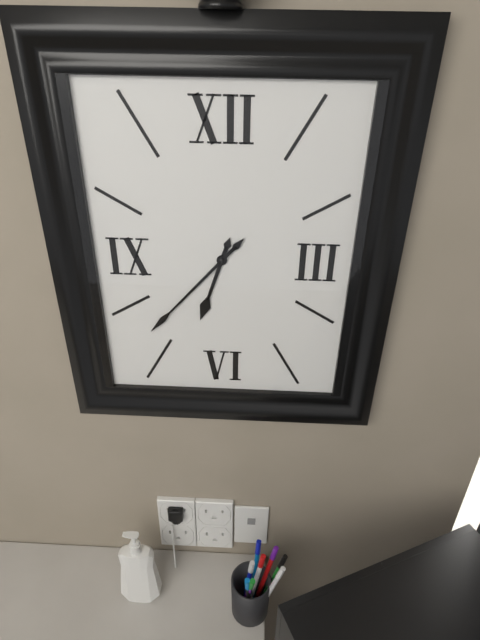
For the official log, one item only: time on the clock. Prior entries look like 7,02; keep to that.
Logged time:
6,37
